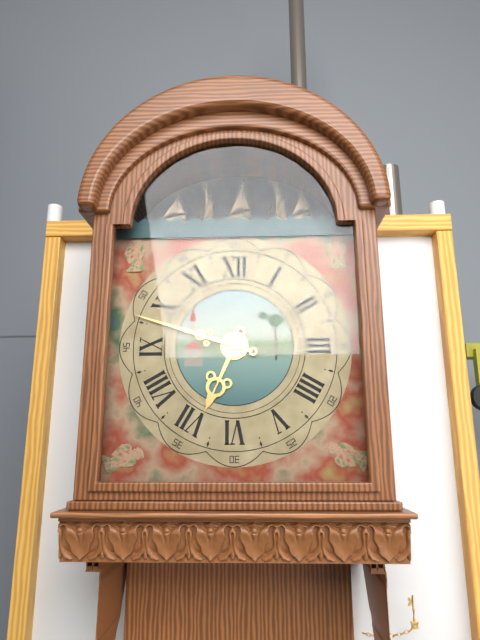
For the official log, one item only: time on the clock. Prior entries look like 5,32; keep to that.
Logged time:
6,48
